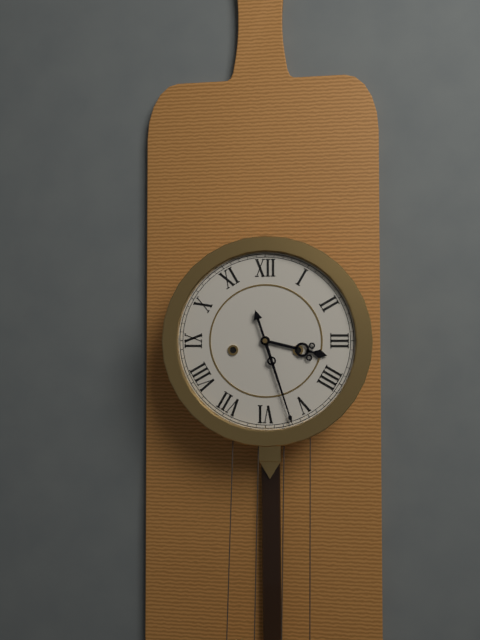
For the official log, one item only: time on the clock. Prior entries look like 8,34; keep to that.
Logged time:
3,27
